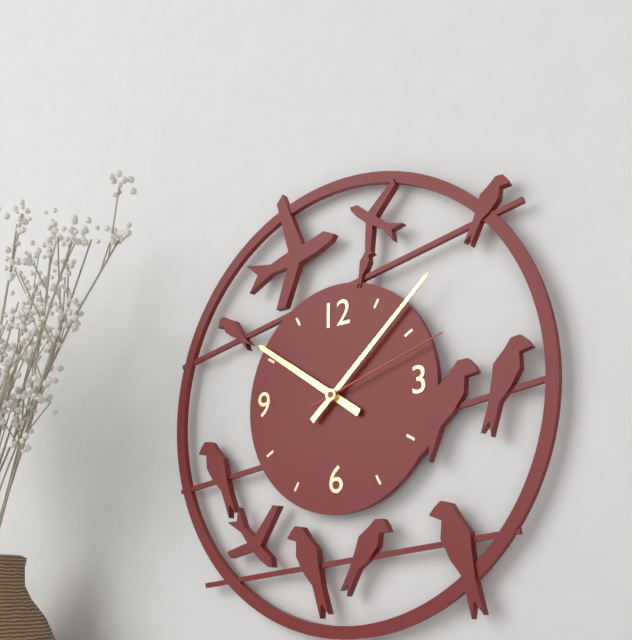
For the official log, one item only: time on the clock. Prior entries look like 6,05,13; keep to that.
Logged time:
10,08,12
